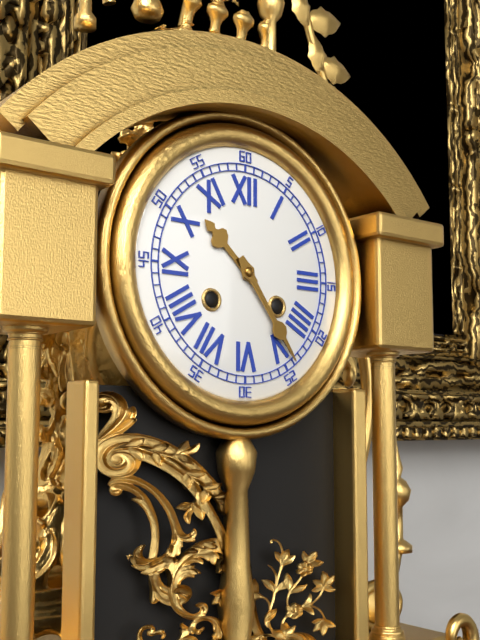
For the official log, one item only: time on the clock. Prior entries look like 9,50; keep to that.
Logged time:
10,24
